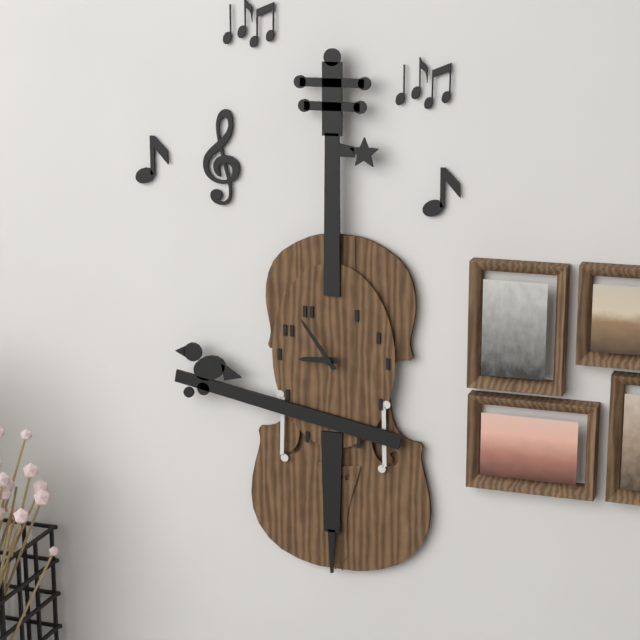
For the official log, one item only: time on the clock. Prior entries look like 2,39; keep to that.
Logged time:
8,54
